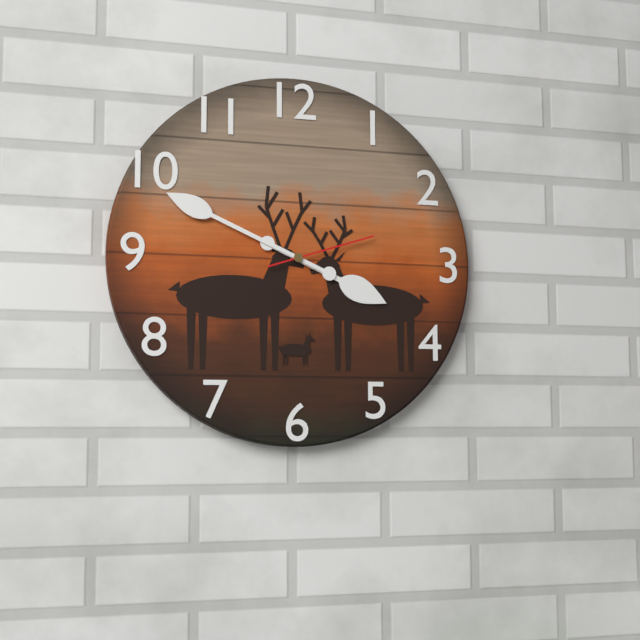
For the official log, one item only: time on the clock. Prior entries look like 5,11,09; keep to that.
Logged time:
3,49,12
